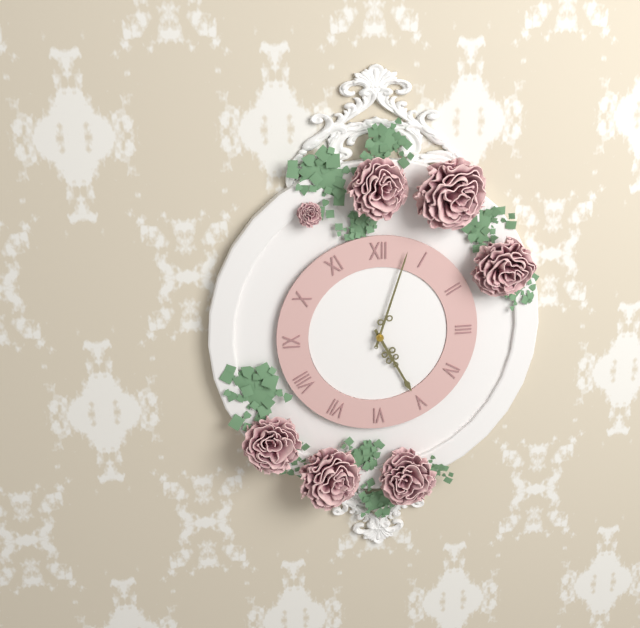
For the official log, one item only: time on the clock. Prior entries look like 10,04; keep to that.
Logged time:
5,03
